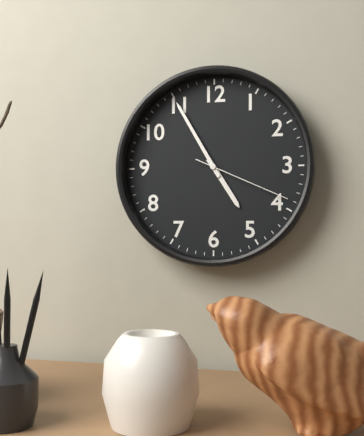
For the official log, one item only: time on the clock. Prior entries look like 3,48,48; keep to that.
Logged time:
4,55,19
